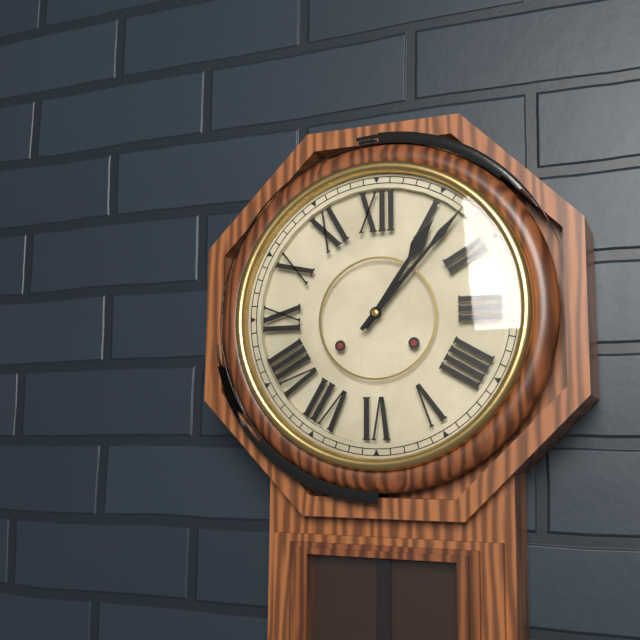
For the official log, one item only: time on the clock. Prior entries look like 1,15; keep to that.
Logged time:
1,07
